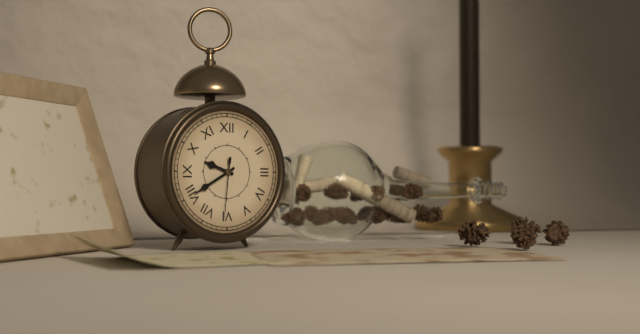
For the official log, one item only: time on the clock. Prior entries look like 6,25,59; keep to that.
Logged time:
9,40,31
